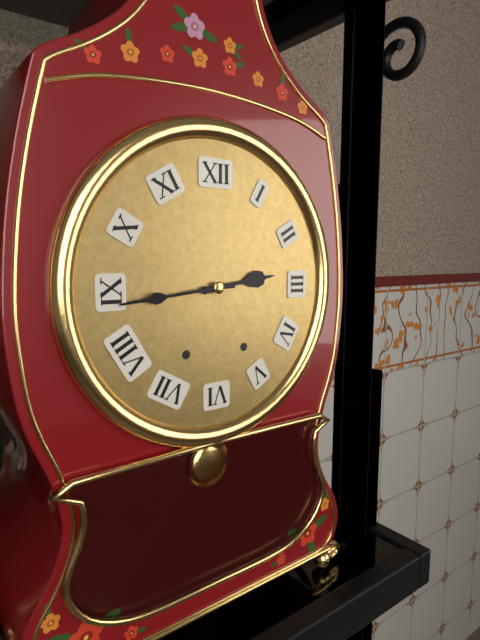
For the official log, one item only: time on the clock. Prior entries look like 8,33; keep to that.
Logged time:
2,44
